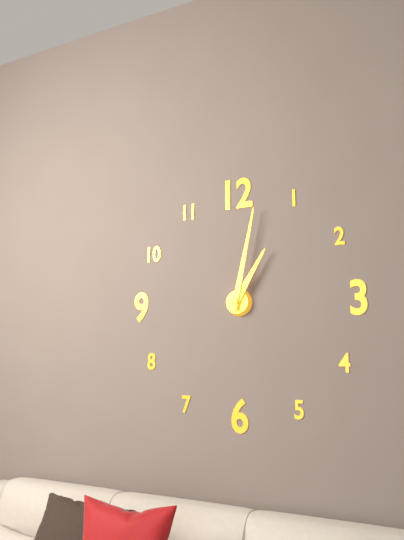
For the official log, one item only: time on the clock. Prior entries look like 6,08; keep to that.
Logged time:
1,02
